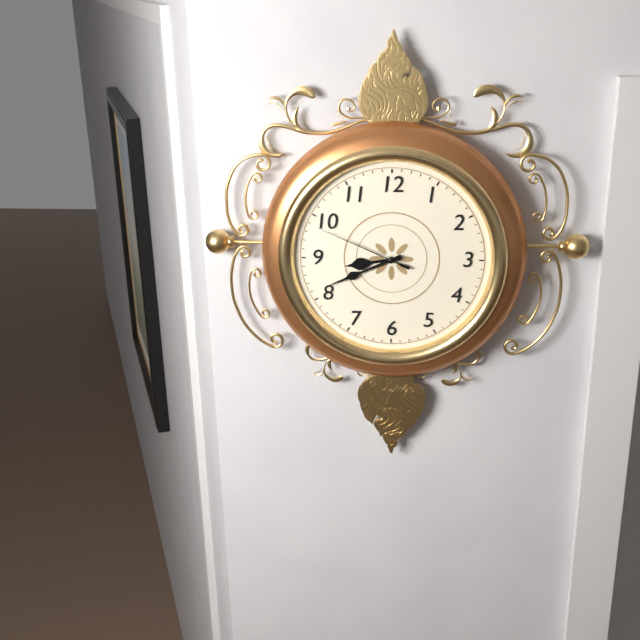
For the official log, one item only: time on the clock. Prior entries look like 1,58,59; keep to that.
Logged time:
8,41,49
